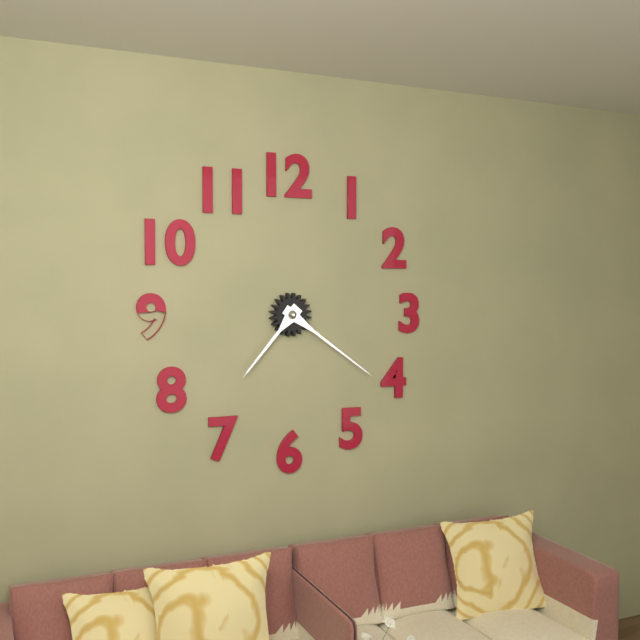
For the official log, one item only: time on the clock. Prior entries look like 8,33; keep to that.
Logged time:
7,21
